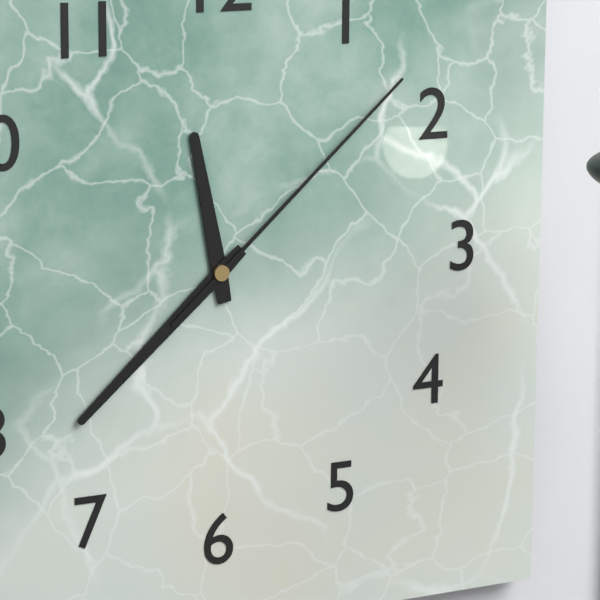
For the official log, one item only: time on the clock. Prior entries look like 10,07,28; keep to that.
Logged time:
11,38,08
